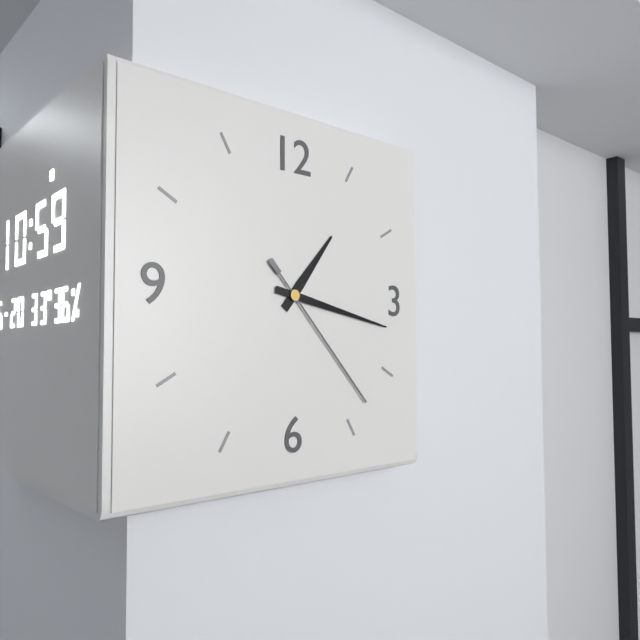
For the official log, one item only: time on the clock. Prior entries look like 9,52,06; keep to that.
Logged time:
1,17,23
